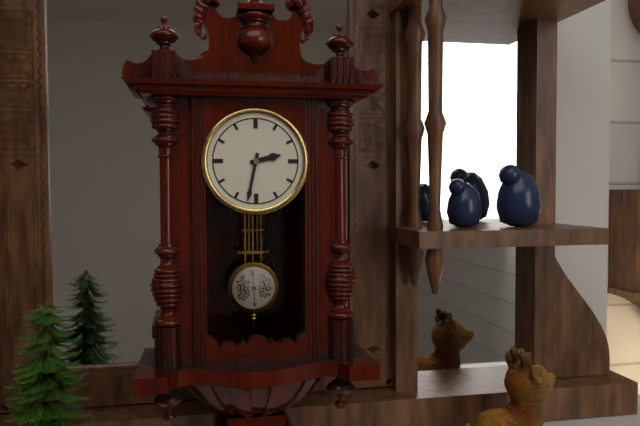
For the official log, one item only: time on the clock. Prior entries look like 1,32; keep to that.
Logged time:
2,32
